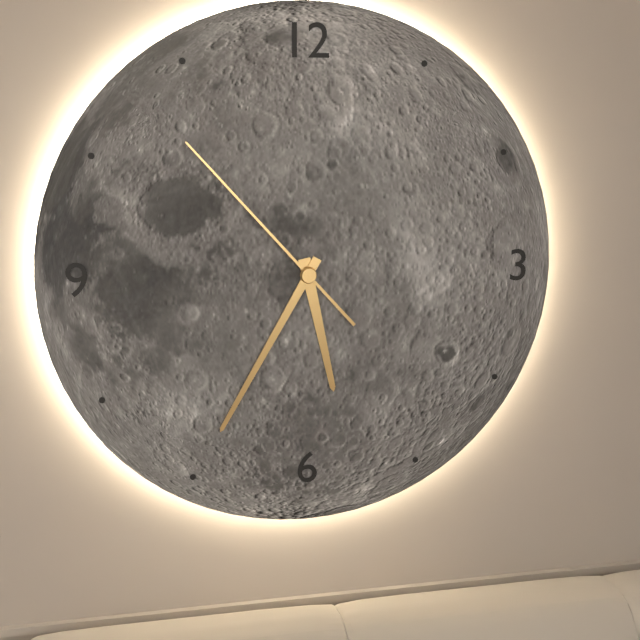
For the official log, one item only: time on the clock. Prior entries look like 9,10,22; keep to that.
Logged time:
5,35,53
